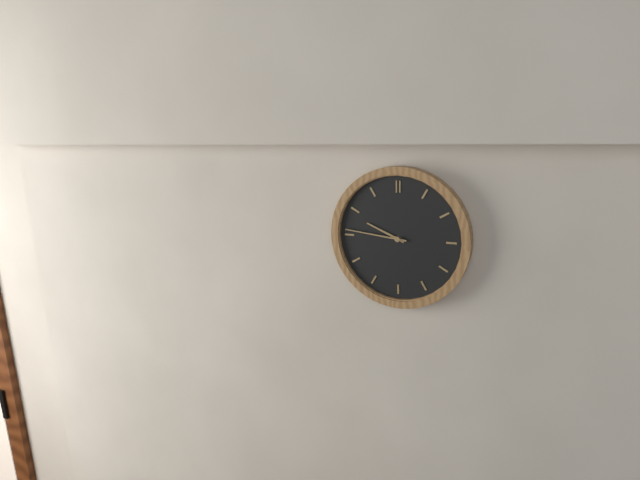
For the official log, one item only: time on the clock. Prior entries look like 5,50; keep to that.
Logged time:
9,46
